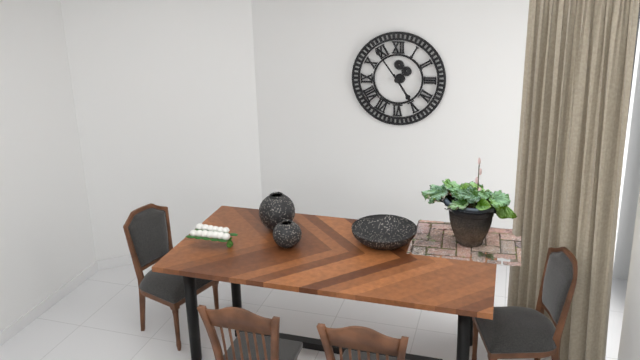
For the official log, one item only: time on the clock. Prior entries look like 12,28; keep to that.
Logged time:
4,54
